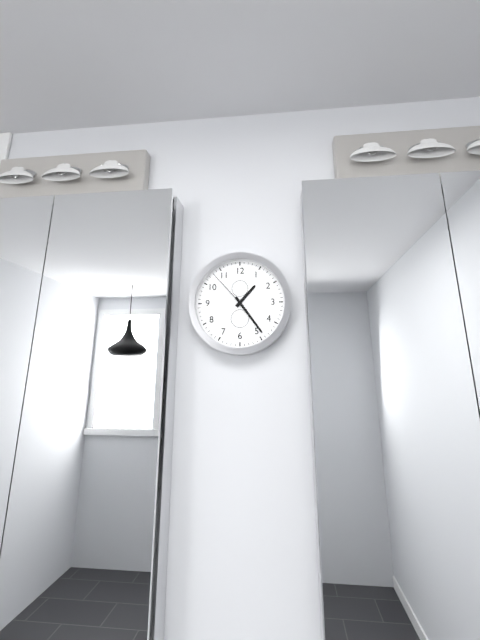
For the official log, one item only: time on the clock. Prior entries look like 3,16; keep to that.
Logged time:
1,24
